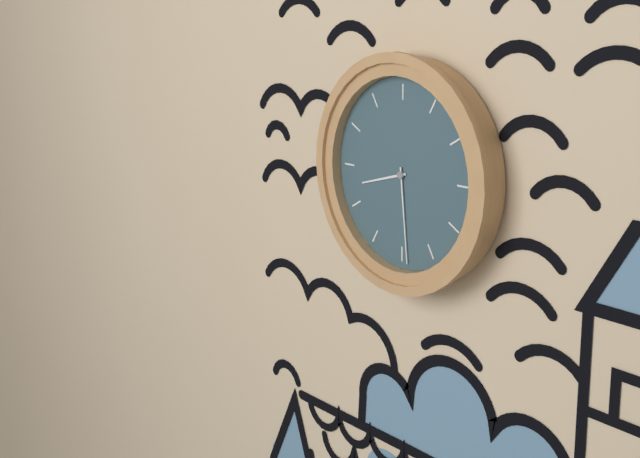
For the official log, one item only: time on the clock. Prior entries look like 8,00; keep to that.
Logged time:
8,29
